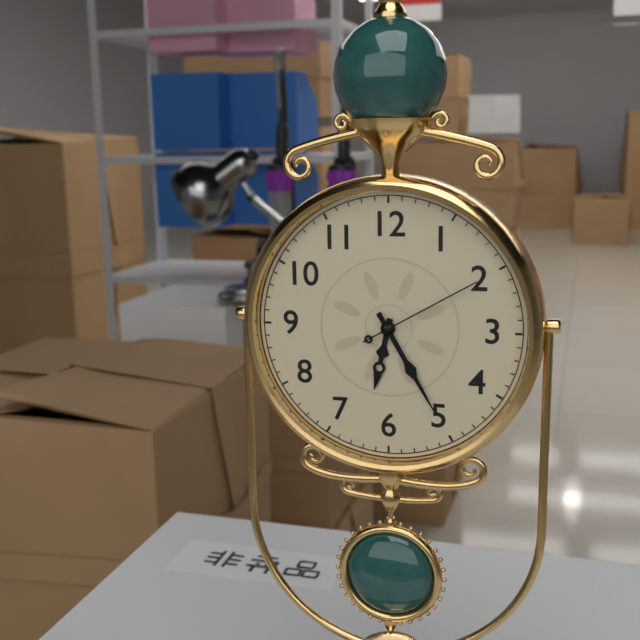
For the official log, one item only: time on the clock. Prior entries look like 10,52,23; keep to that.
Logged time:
6,25,10
